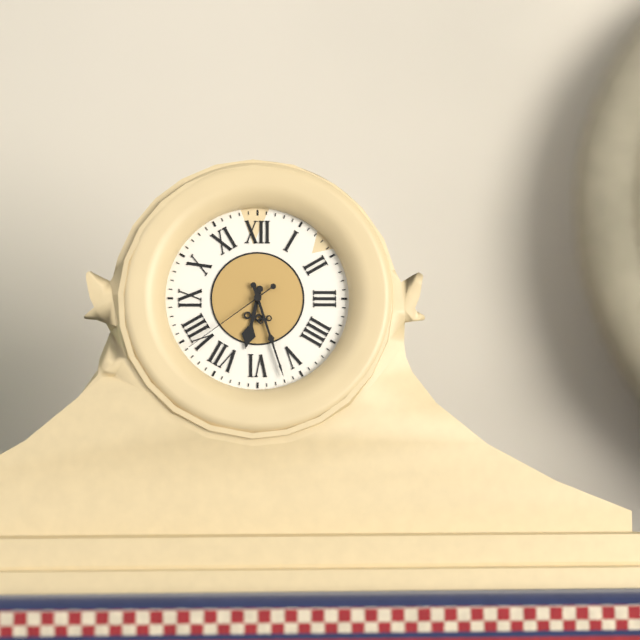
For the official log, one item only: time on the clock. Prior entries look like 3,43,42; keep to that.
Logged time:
6,27,39
